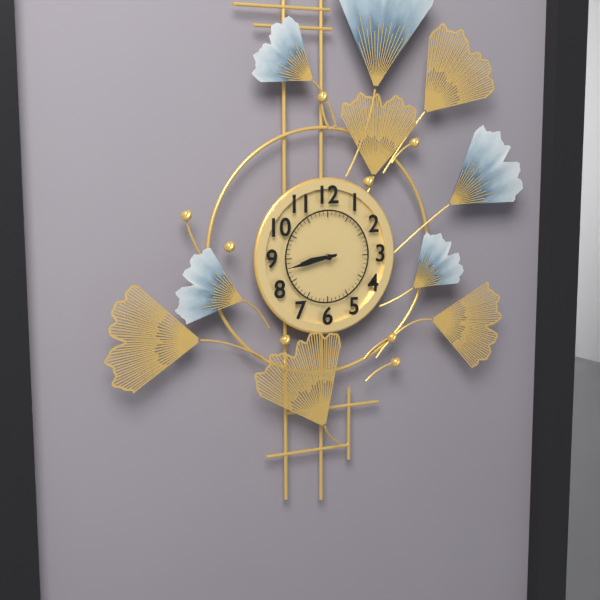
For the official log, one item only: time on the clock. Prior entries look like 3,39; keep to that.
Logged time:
8,43
